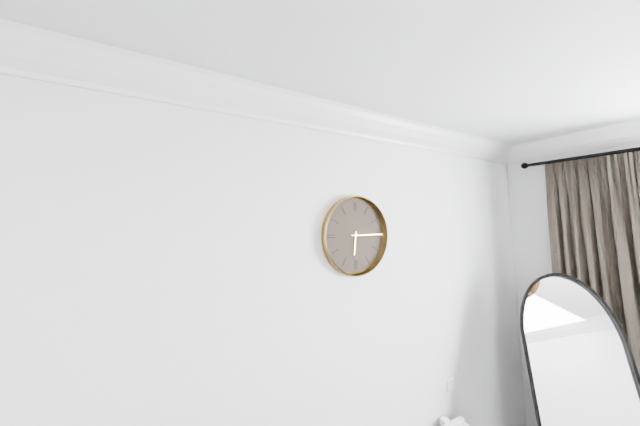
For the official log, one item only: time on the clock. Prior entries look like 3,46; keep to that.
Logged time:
6,15
